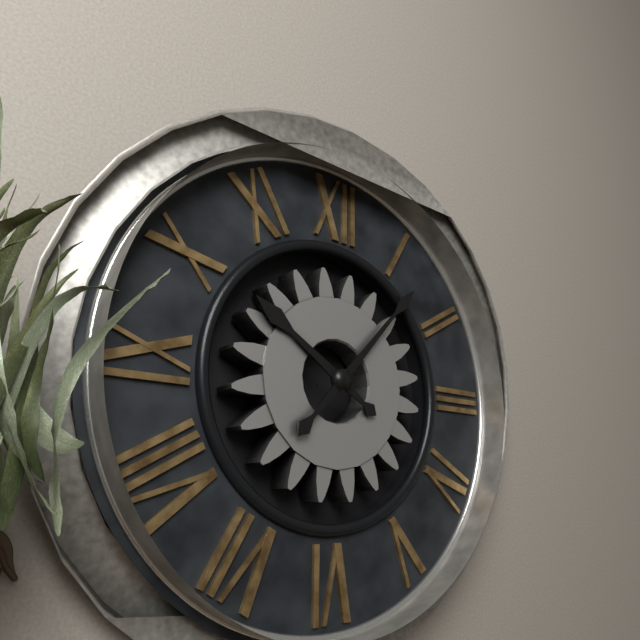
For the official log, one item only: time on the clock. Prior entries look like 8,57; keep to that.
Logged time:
10,07
